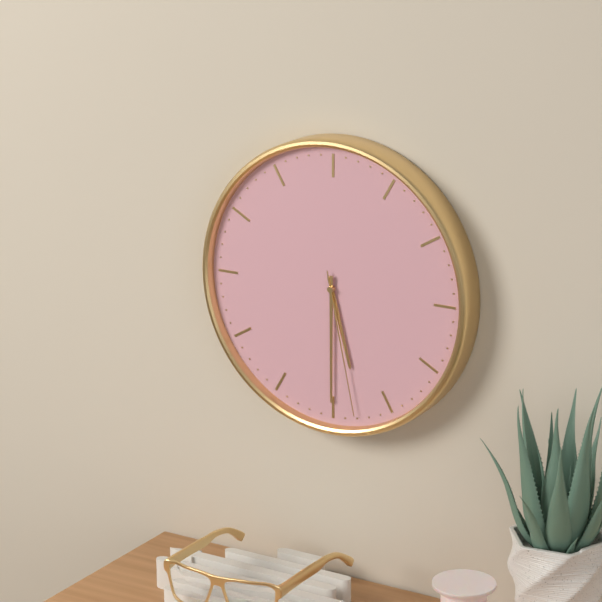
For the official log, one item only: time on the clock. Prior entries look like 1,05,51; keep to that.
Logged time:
5,30,28
